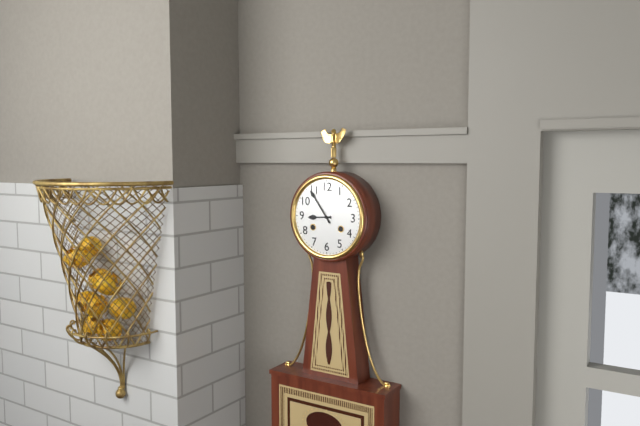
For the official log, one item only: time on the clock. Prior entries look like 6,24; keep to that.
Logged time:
8,54
